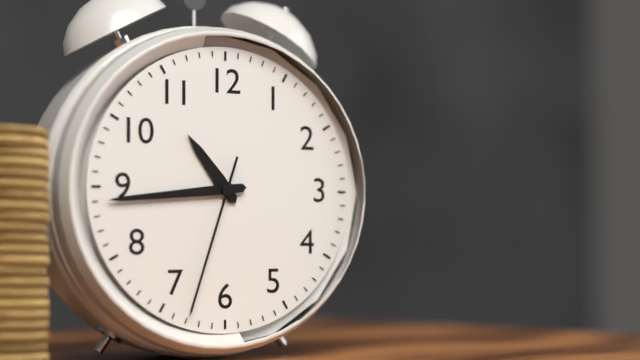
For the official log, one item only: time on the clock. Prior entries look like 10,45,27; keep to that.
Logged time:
10,44,33
